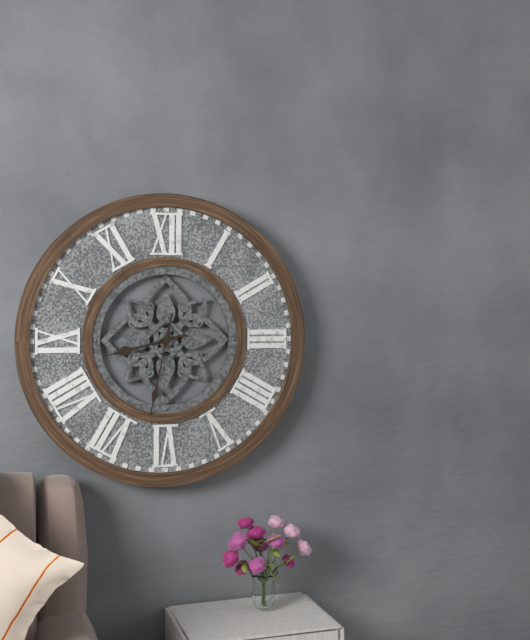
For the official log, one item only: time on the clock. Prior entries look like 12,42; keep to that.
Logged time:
8,32
